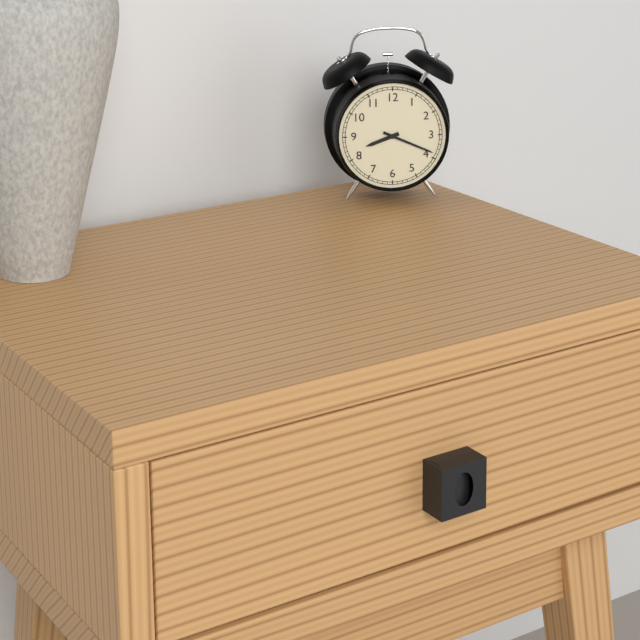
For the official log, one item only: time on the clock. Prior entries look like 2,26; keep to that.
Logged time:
8,19
